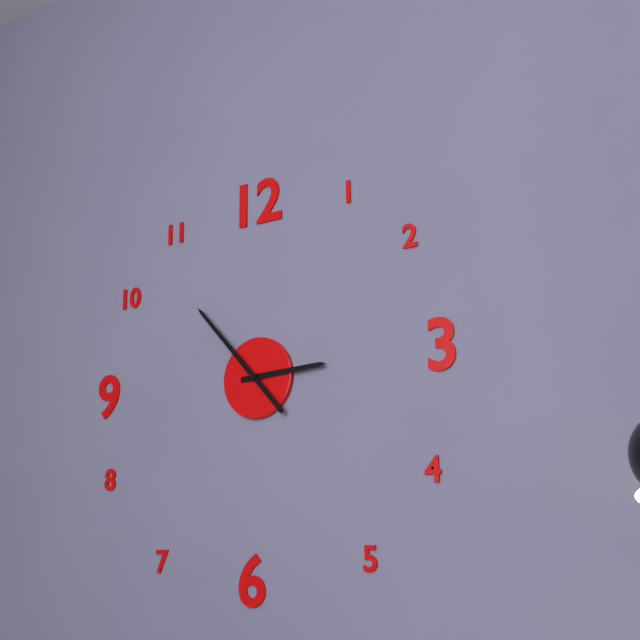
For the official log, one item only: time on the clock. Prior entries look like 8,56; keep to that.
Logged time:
2,53
